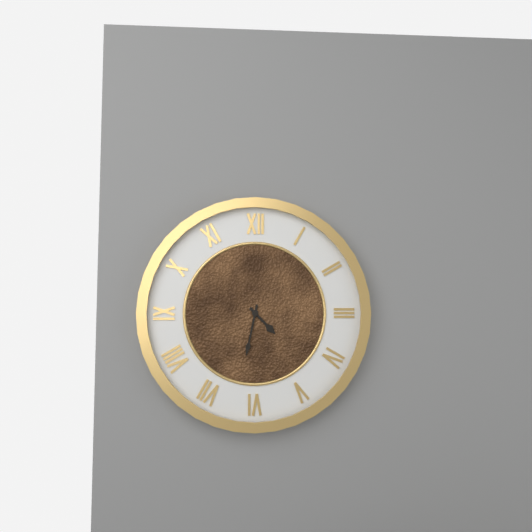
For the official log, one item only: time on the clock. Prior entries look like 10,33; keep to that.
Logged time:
4,32
